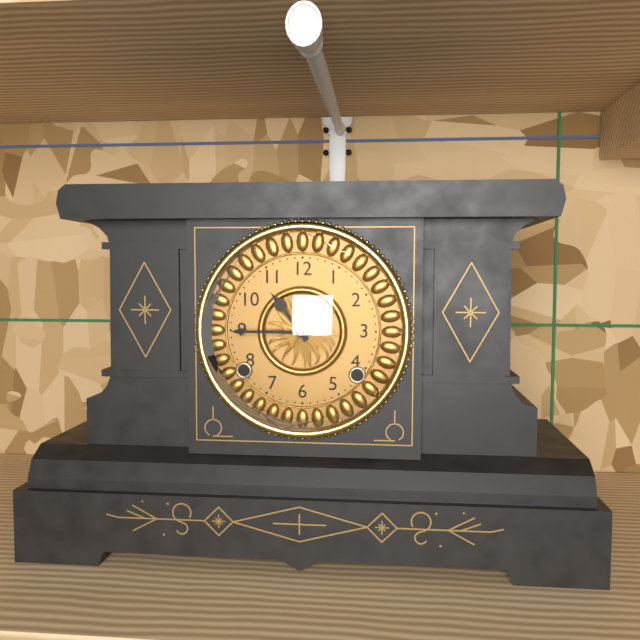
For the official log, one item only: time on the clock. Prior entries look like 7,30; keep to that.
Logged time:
10,45
